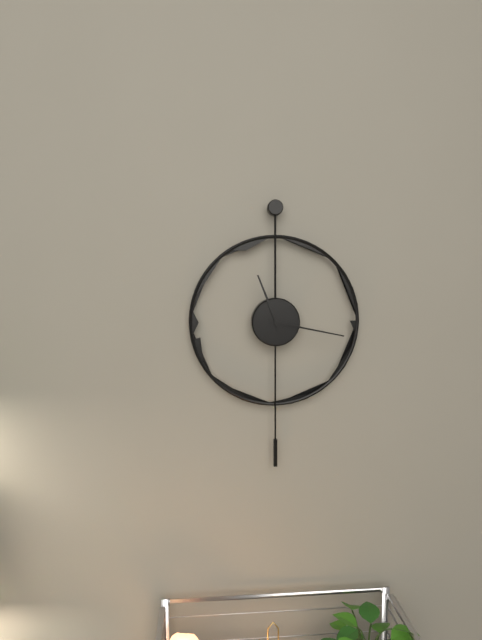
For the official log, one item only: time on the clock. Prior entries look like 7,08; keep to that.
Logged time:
11,17
